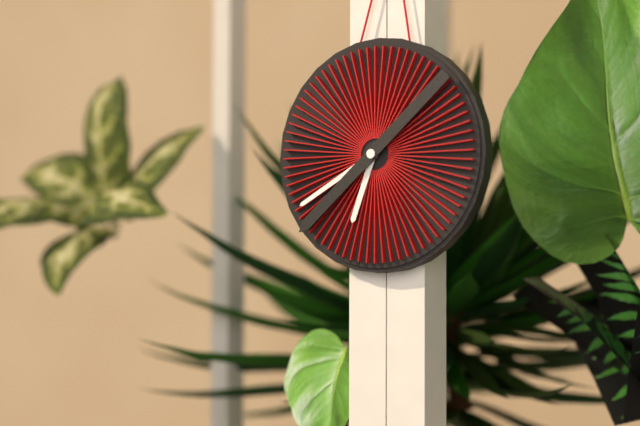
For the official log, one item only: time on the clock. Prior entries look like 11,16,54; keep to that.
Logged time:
6,40,38
